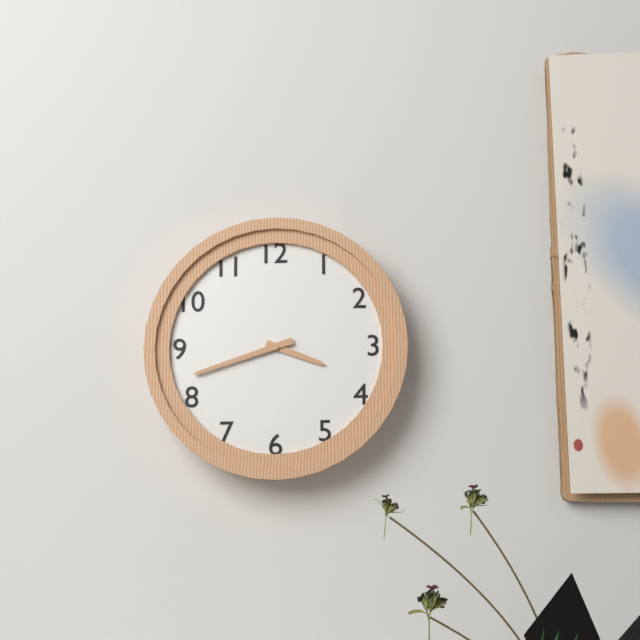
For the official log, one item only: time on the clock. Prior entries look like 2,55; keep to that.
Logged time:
3,42
